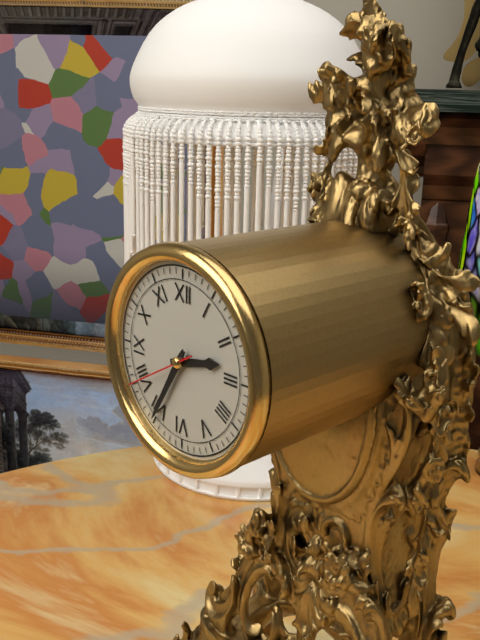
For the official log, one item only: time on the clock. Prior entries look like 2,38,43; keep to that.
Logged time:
2,35,40
